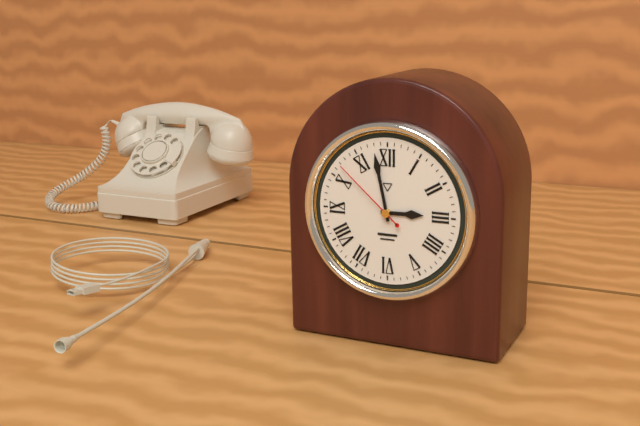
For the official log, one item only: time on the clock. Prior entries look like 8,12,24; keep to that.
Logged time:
2,58,52
